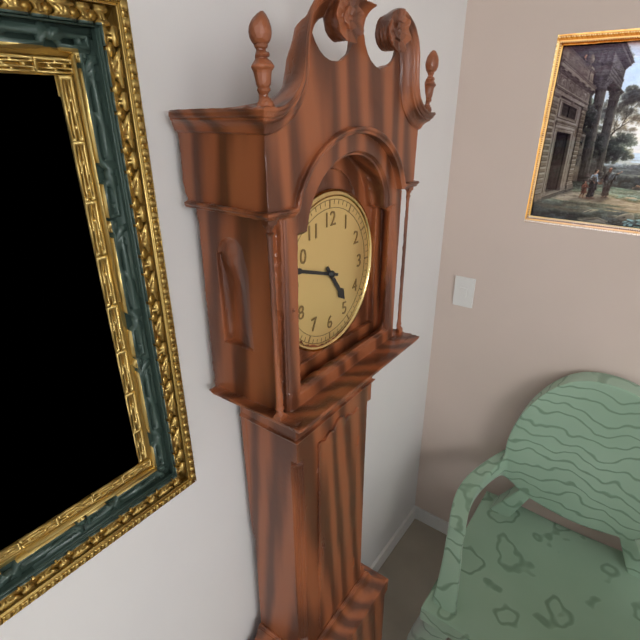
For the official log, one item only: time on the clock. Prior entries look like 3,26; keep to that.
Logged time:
4,48
